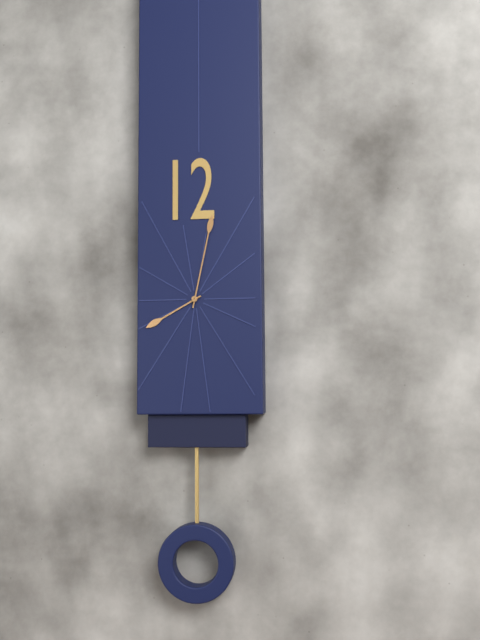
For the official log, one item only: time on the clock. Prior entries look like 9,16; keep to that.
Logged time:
8,02
